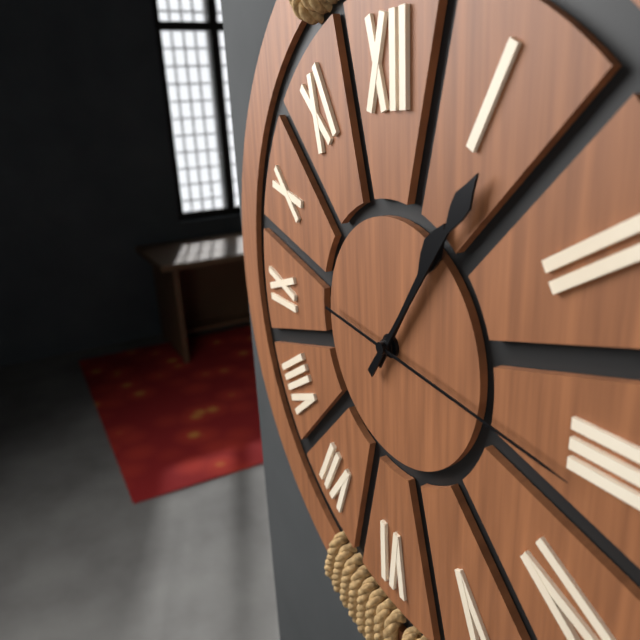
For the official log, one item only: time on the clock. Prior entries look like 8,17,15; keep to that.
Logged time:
1,06,16
